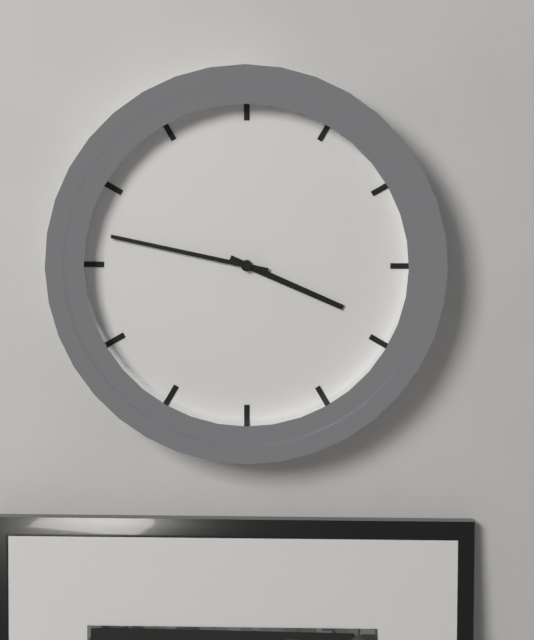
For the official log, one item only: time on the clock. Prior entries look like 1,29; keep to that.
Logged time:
3,47
